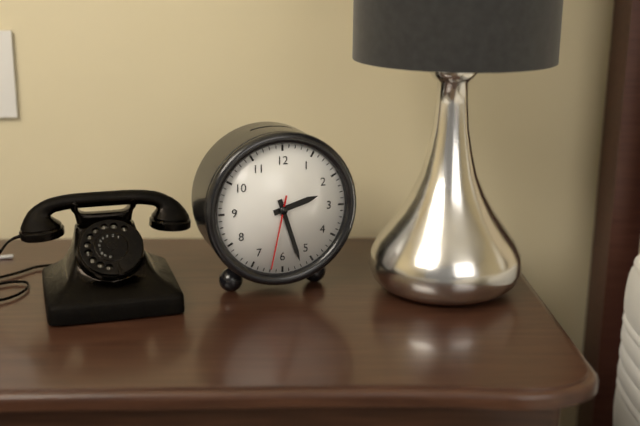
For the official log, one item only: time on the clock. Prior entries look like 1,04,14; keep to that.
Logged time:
2,27,32
